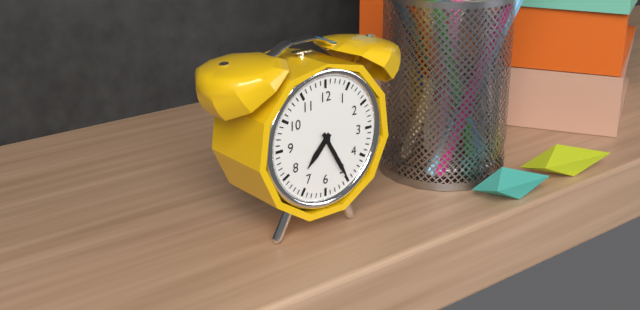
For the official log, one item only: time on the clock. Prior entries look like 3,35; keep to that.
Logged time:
7,25
